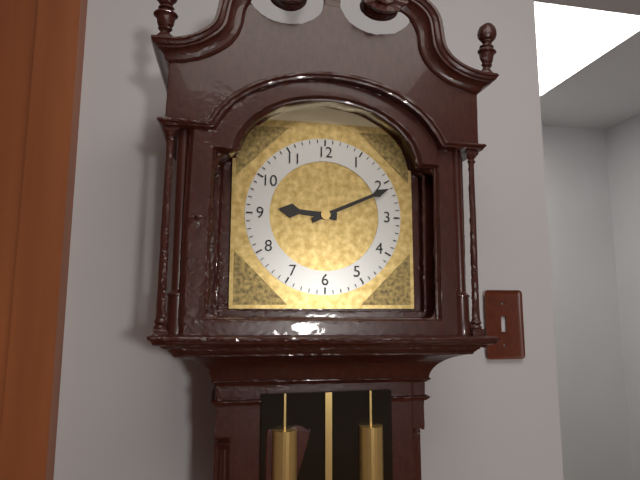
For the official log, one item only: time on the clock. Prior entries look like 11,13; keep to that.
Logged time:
9,11
